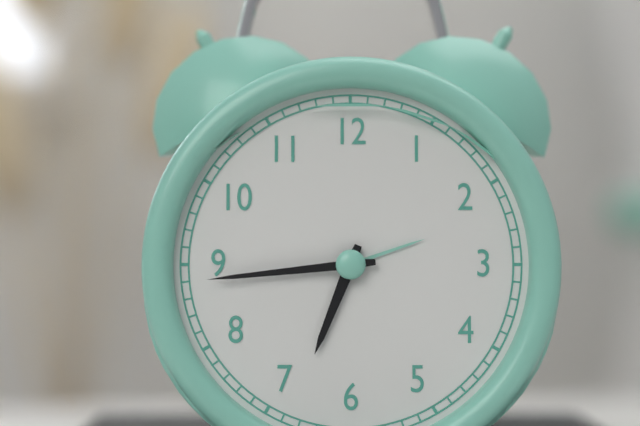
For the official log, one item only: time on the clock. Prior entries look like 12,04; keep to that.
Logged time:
6,44
